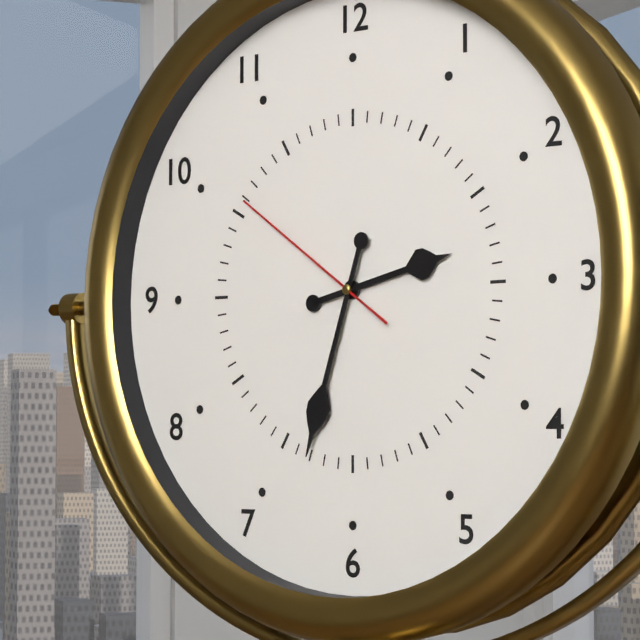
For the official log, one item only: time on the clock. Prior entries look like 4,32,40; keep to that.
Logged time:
2,33,51
